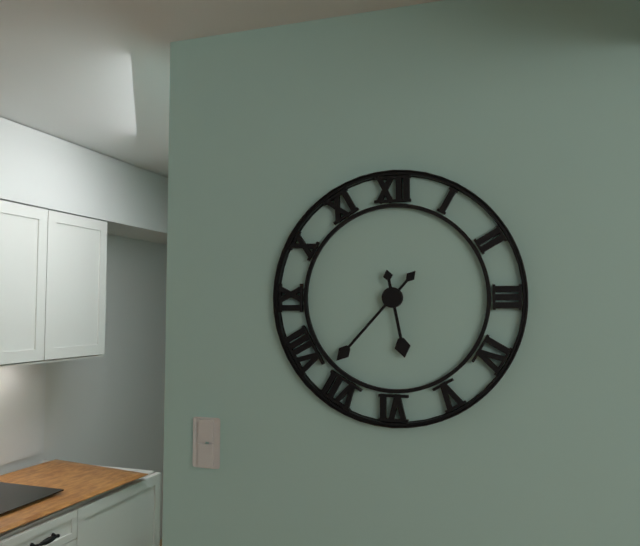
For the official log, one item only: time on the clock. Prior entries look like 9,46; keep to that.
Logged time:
5,37
